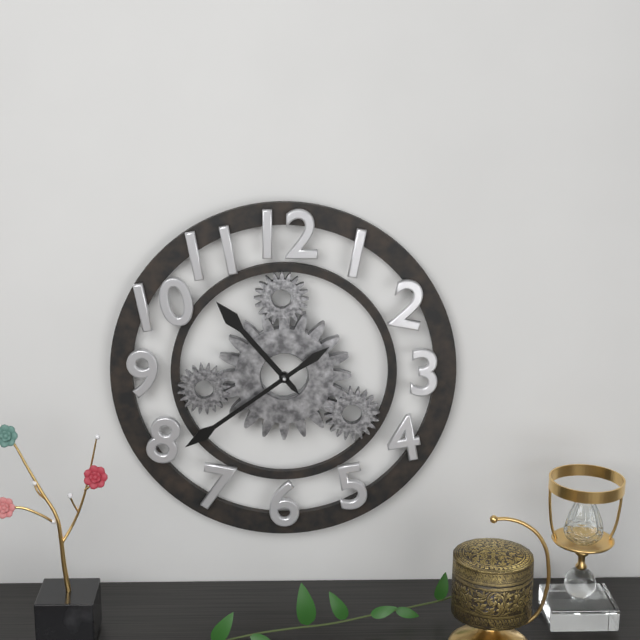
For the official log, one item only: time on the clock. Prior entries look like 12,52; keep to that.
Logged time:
10,39
